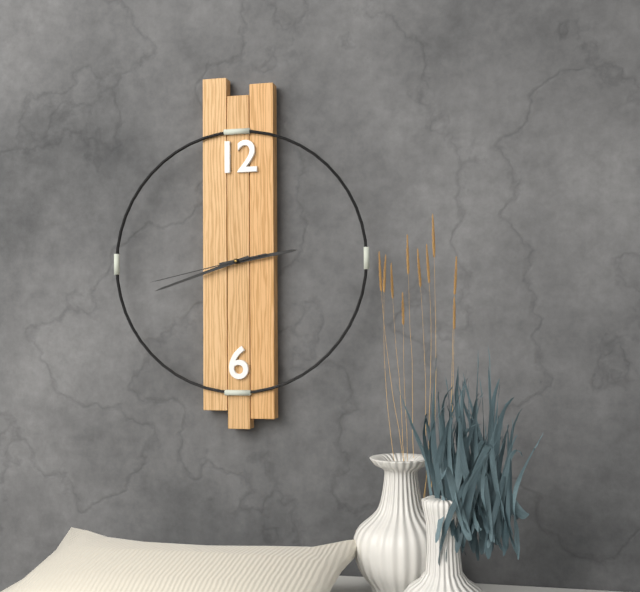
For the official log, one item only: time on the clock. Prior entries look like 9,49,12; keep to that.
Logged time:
2,42,43
